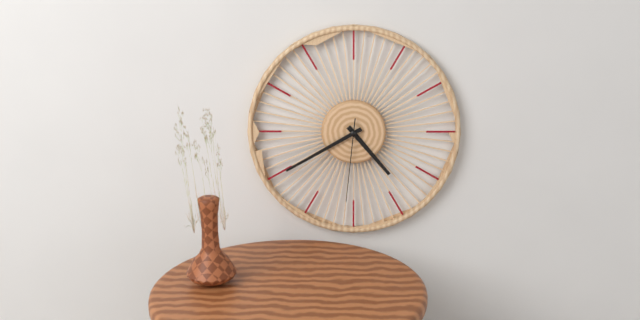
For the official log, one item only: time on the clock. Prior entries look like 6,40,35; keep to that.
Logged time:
4,40,31
